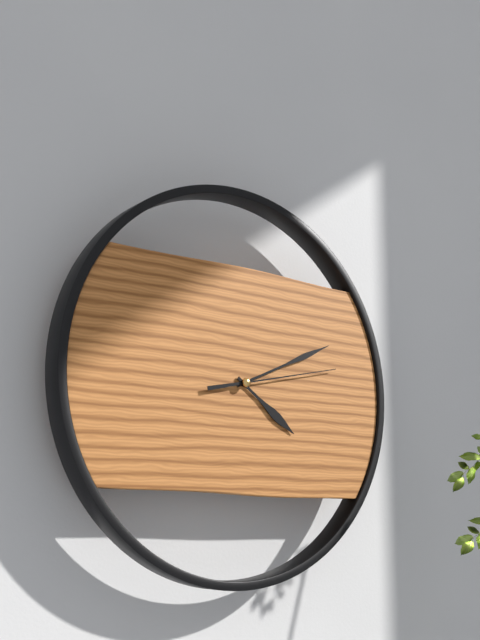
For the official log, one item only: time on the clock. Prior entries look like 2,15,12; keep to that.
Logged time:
4,11,13
